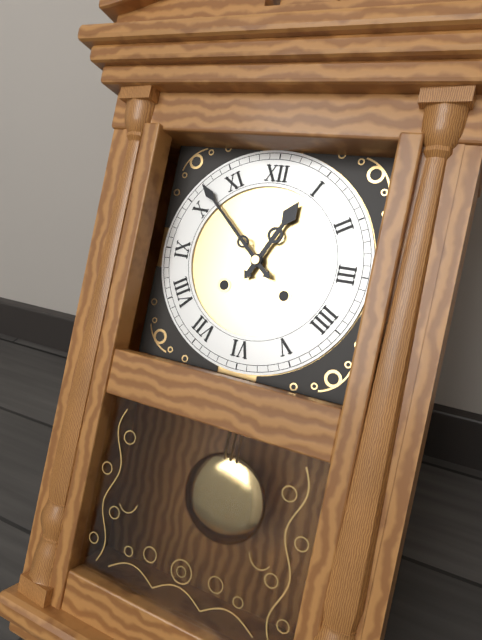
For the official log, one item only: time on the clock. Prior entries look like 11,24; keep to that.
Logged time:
12,52
